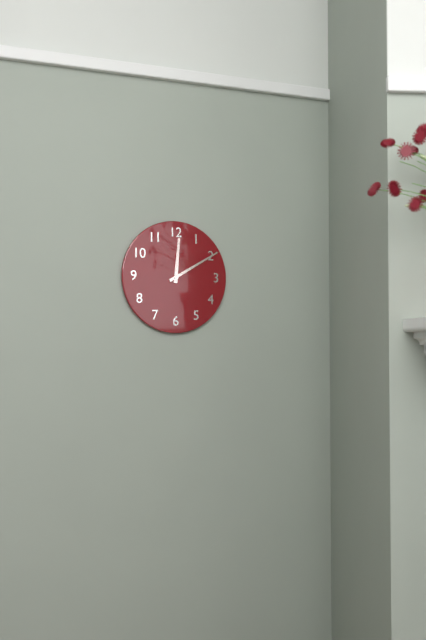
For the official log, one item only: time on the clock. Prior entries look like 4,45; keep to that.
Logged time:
12,10
